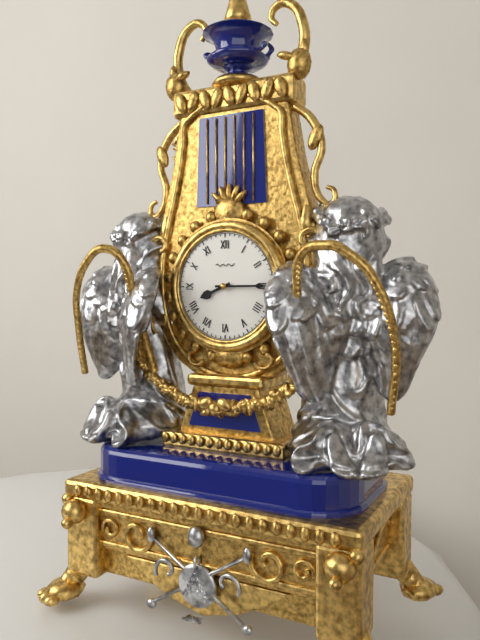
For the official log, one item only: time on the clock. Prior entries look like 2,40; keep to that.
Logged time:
8,15
